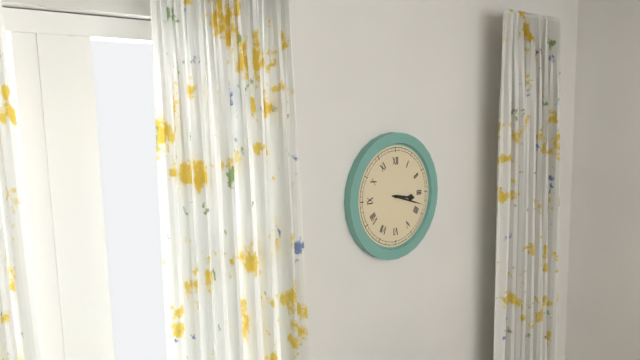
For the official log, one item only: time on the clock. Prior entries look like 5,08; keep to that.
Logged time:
3,18
